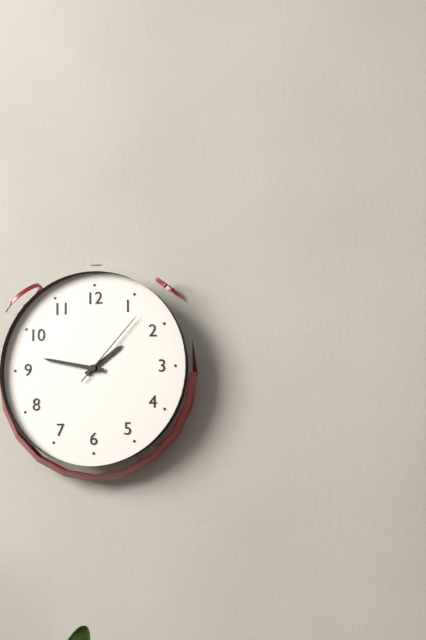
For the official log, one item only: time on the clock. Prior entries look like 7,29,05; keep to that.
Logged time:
1,47,07
